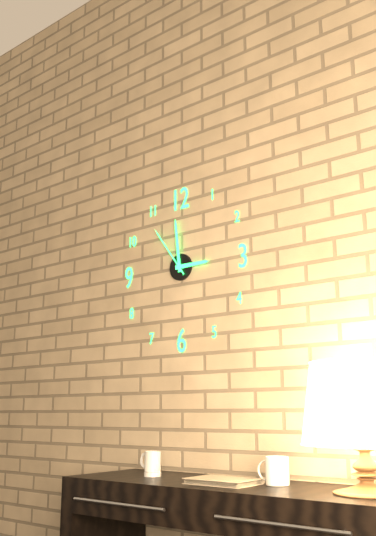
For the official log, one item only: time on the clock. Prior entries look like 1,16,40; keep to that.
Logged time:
2,59,54
